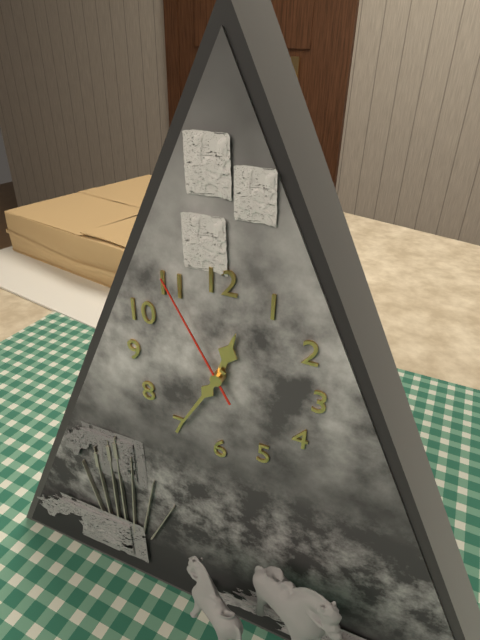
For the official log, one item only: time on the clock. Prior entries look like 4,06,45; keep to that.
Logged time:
12,35,55
